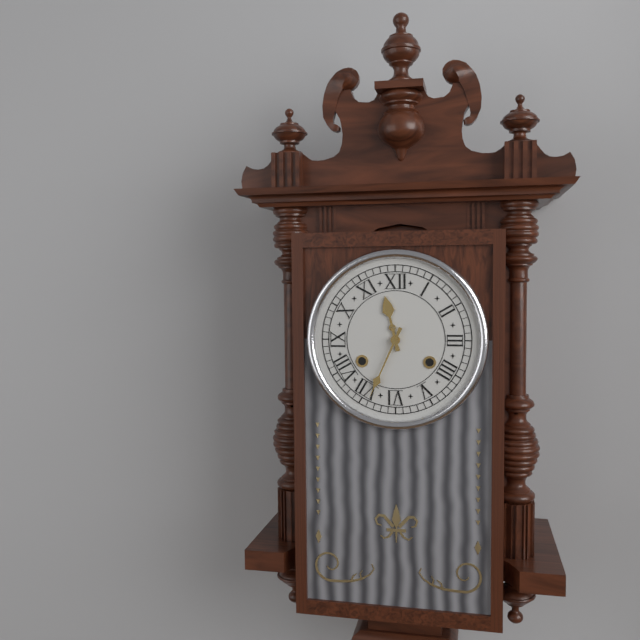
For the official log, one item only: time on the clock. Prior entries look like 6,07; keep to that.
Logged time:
11,34
